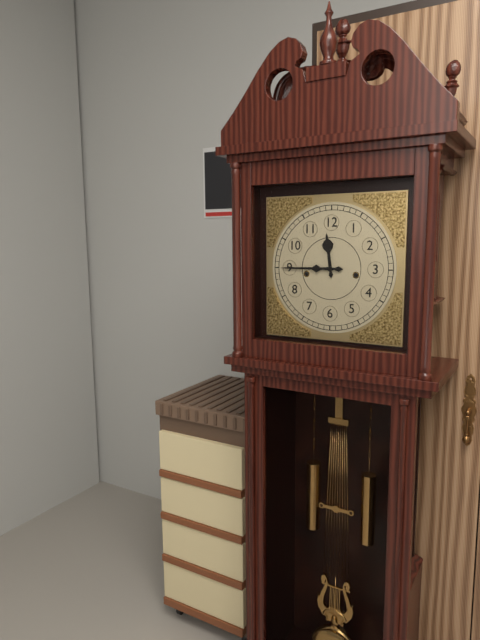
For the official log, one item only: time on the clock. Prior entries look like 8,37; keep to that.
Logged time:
11,45
